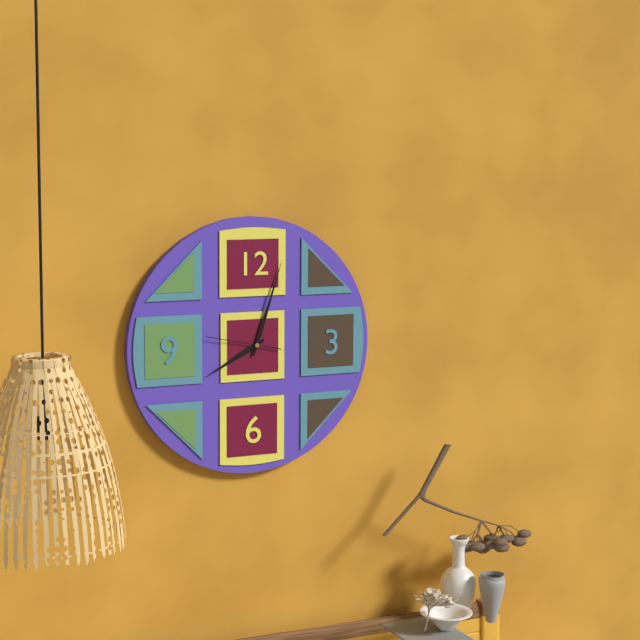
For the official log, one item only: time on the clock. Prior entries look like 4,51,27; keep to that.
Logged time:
8,03,47
